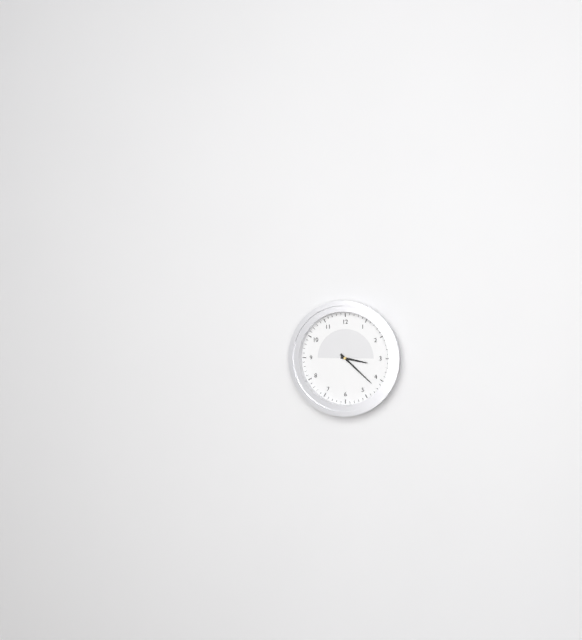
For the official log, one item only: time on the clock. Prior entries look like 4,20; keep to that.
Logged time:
3,22
